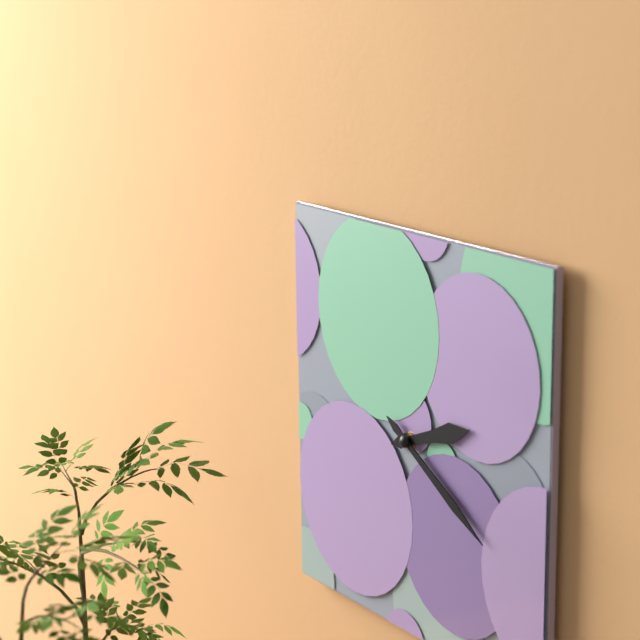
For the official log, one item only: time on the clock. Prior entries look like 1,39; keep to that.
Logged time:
2,20
